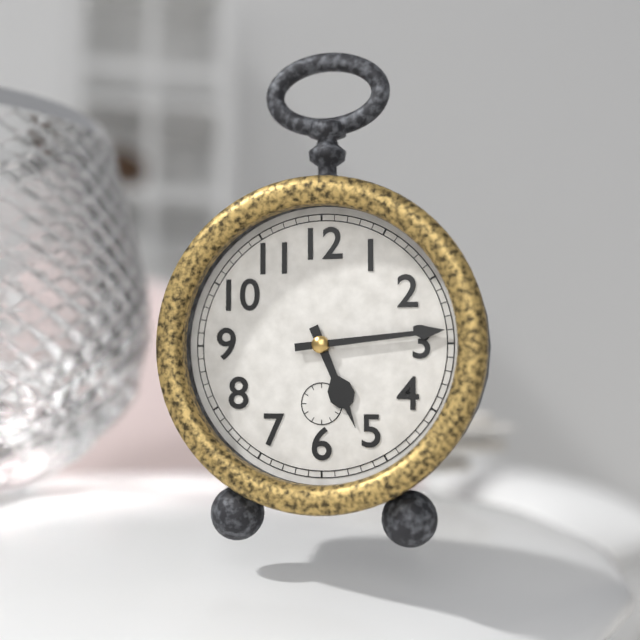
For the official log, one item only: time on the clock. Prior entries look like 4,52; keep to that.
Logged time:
5,14
